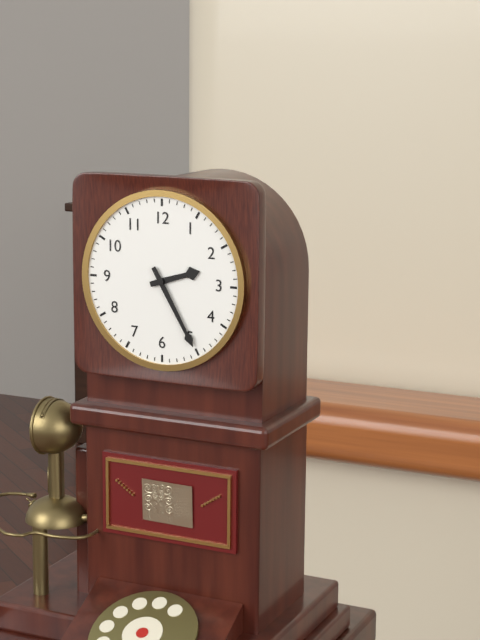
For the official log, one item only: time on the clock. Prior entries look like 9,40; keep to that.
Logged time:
2,25
